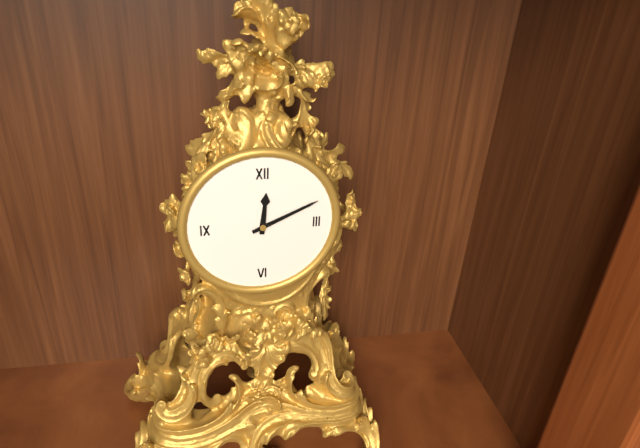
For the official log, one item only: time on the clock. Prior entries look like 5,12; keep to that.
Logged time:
12,11
